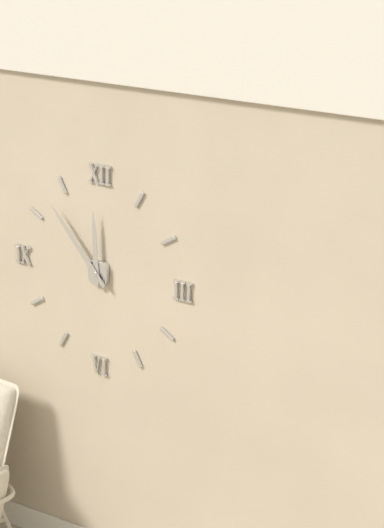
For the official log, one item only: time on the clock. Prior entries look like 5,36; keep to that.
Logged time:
11,53
